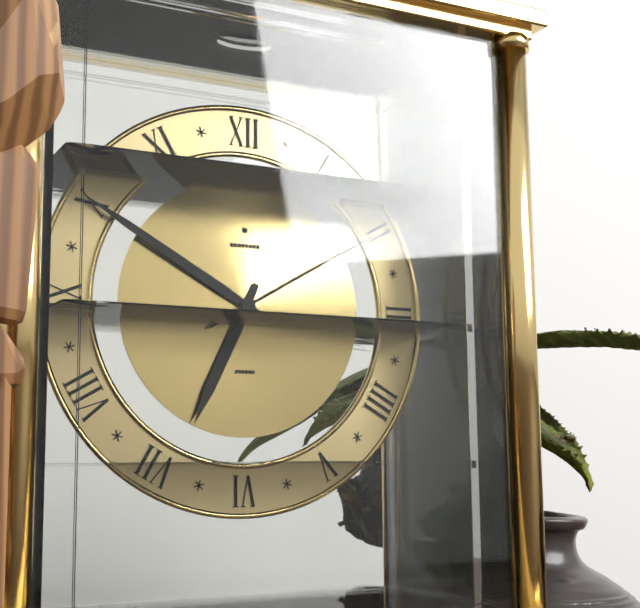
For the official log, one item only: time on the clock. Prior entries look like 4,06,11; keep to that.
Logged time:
6,50,10
